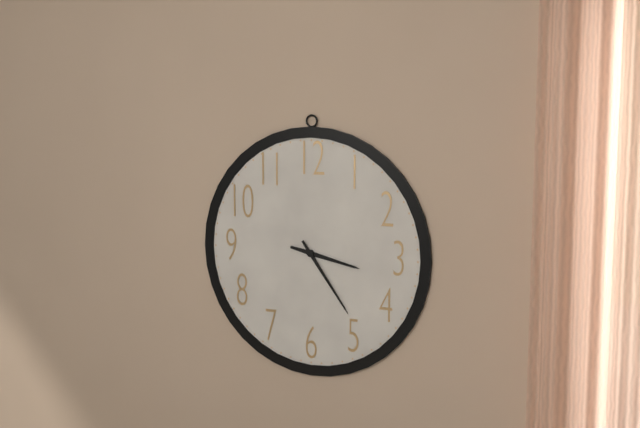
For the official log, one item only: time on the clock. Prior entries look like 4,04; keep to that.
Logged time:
3,24
